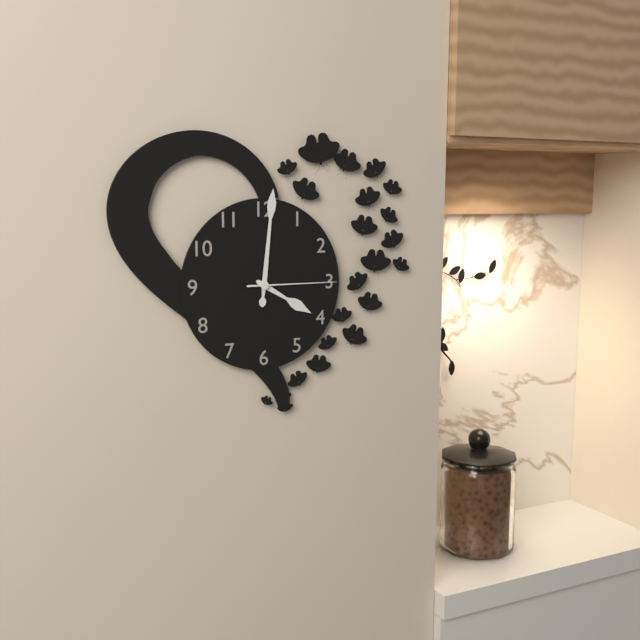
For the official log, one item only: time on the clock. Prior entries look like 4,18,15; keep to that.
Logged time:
4,01,15
